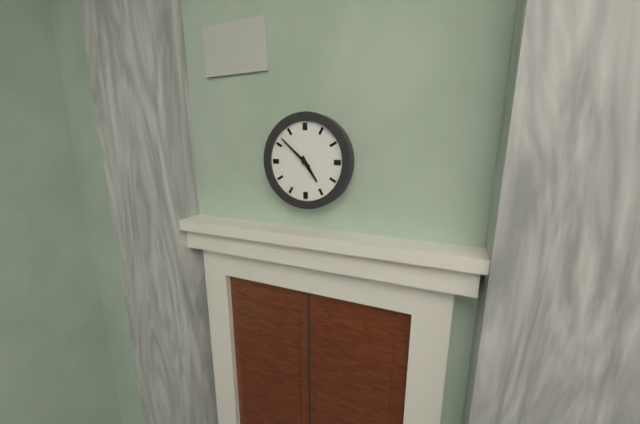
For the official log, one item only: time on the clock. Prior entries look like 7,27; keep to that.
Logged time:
4,52
